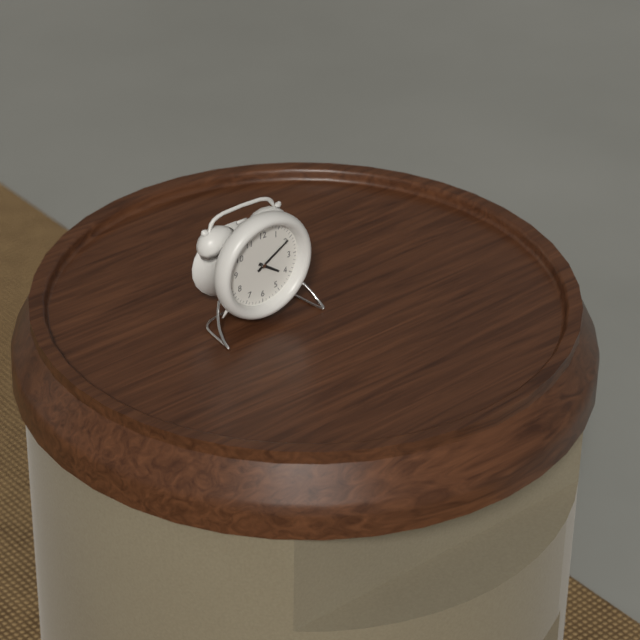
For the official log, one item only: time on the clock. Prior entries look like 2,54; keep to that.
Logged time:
4,10
